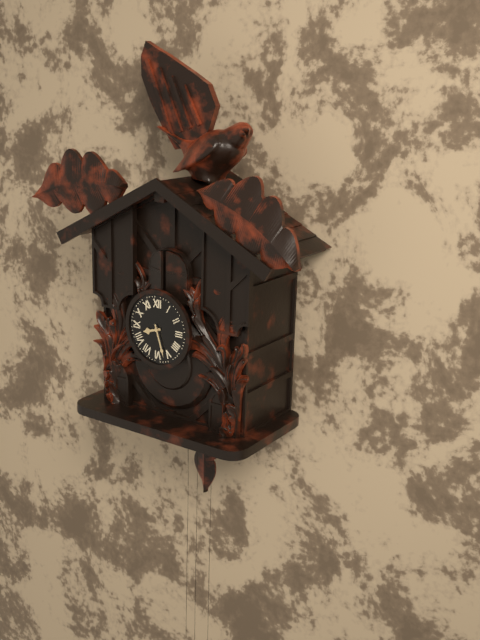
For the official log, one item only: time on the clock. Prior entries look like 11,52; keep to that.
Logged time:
8,27
